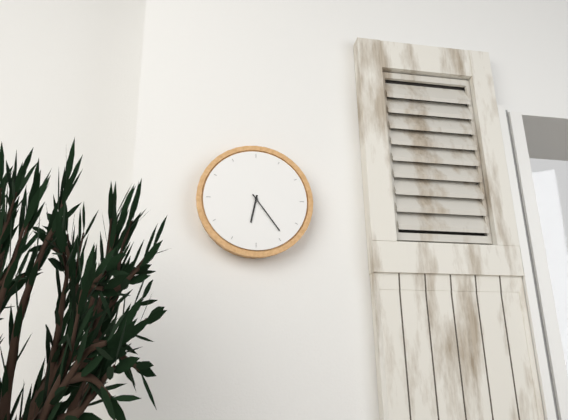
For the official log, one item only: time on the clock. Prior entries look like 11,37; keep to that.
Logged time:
6,24
